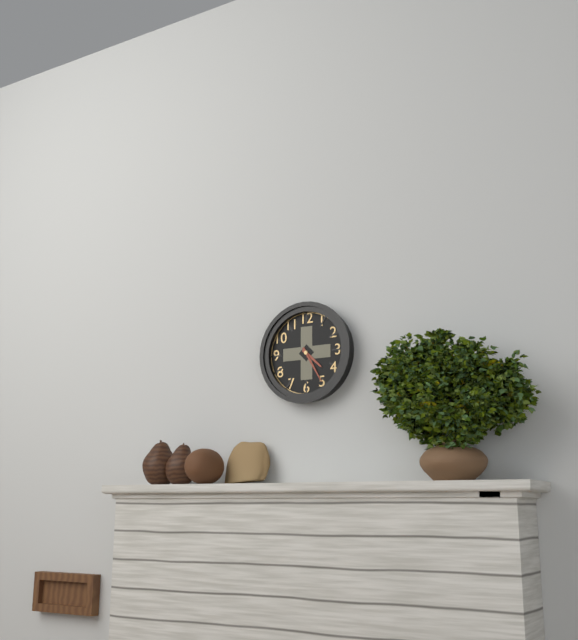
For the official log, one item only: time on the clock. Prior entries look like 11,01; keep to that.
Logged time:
4,25
